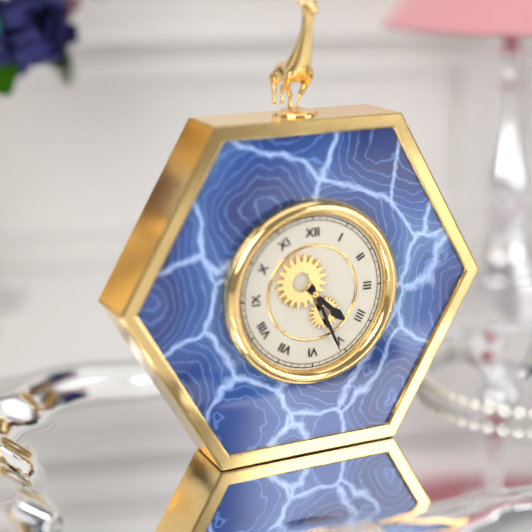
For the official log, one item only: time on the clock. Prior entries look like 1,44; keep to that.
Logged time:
4,26
